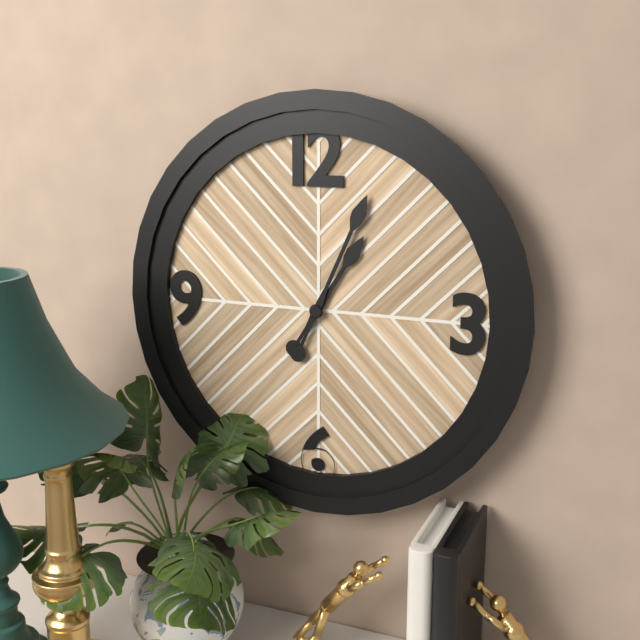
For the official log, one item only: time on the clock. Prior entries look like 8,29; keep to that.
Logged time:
1,04
